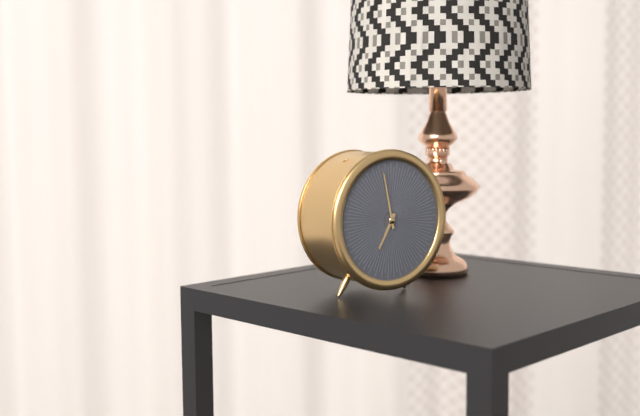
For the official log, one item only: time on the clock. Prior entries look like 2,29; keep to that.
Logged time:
6,58
